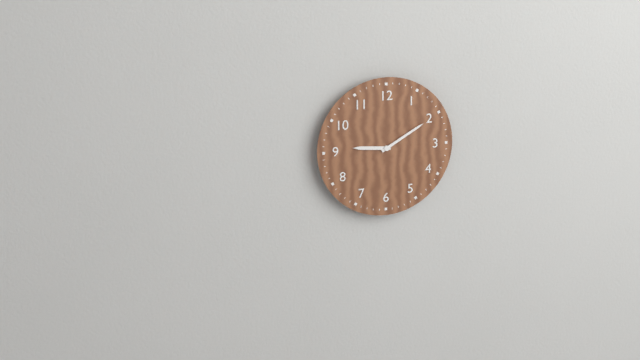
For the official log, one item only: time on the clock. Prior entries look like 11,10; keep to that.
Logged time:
9,10
